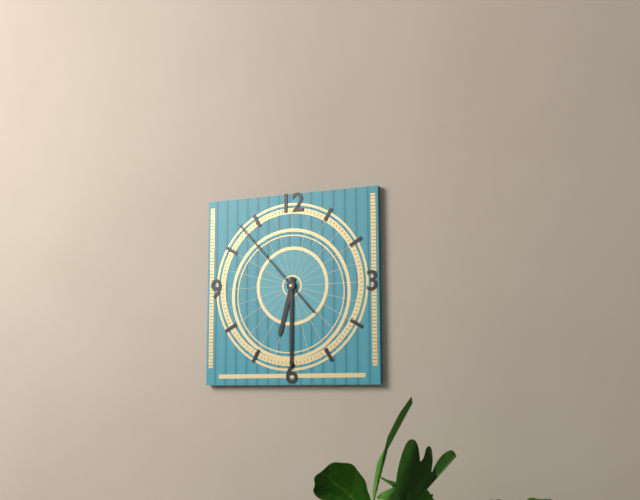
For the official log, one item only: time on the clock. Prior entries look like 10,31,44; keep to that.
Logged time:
6,30,53
